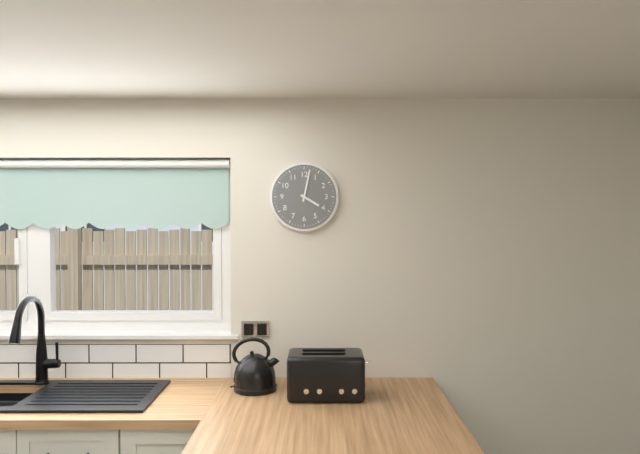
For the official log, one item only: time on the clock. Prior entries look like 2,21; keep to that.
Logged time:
4,02
